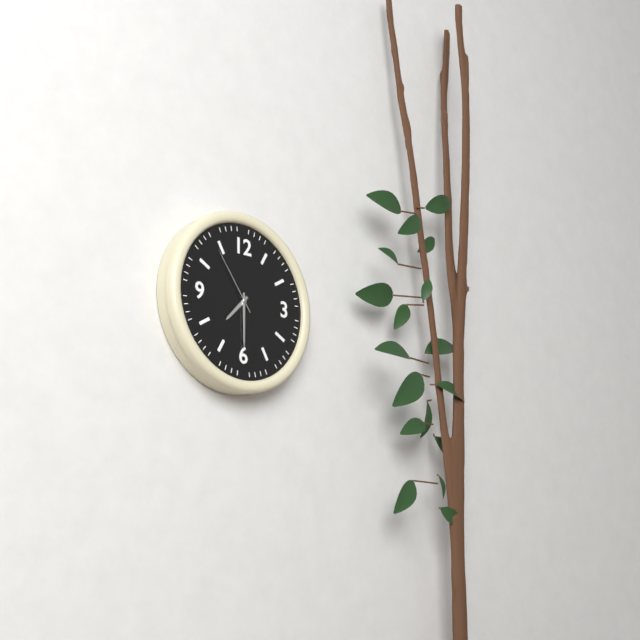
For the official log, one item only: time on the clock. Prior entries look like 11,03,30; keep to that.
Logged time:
7,30,54
